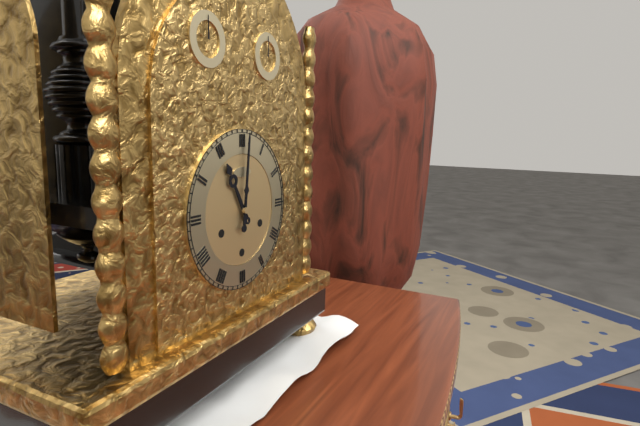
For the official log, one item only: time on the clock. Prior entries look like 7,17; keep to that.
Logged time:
11,01
